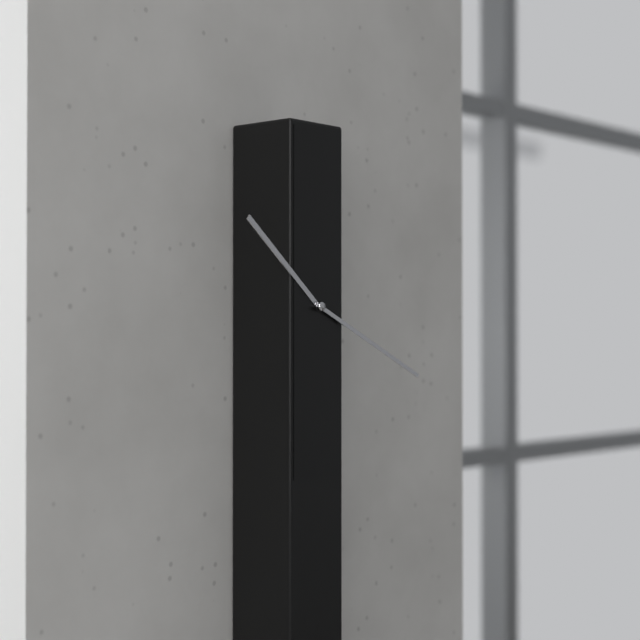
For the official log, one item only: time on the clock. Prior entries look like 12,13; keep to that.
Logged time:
10,19
